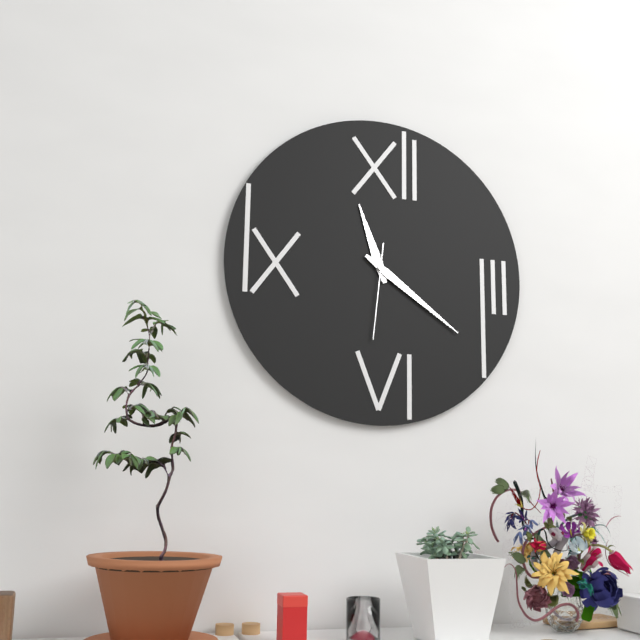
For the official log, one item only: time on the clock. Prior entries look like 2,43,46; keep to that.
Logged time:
11,21,31
